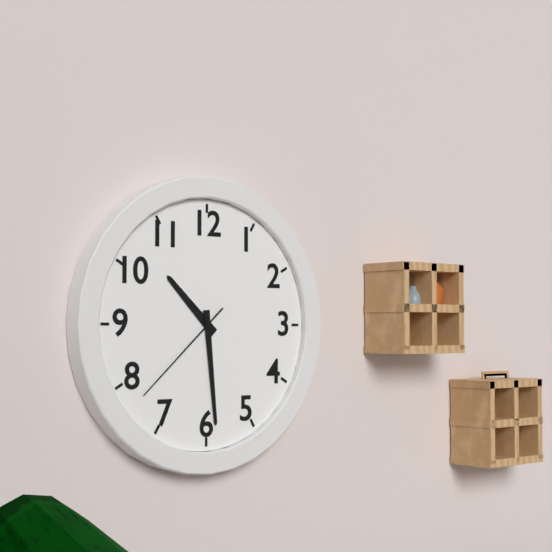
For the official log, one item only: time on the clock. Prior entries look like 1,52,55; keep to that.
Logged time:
10,29,38
